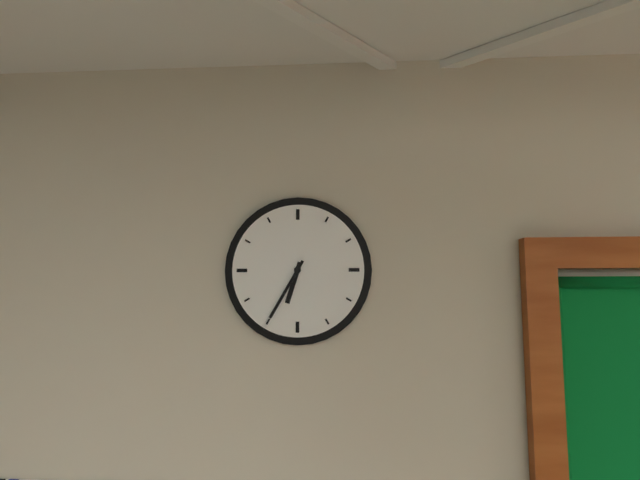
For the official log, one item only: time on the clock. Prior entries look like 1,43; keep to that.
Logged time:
6,35
